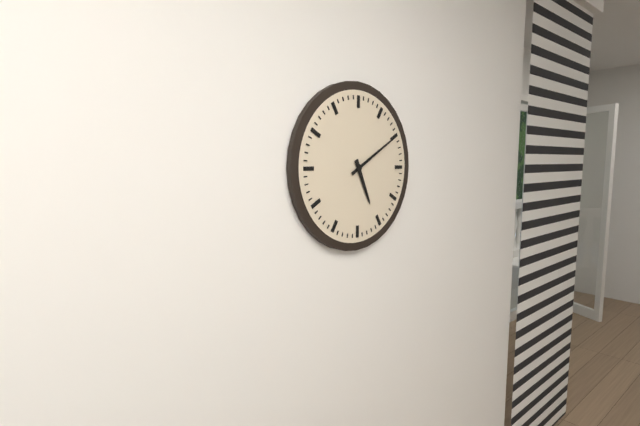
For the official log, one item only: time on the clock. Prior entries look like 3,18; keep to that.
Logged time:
5,10
